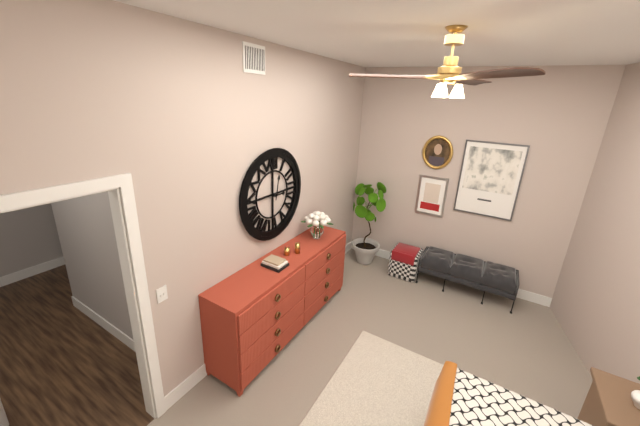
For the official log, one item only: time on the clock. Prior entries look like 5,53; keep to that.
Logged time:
3,02
